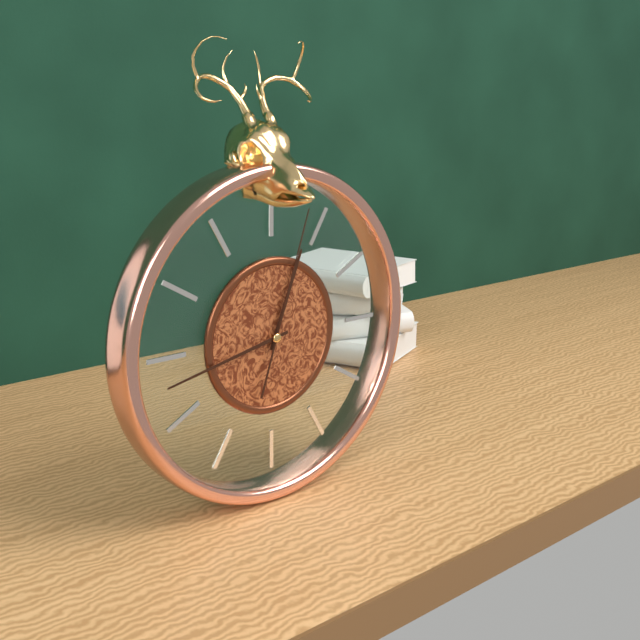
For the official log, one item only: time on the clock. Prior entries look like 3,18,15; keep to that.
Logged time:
12,43,03
